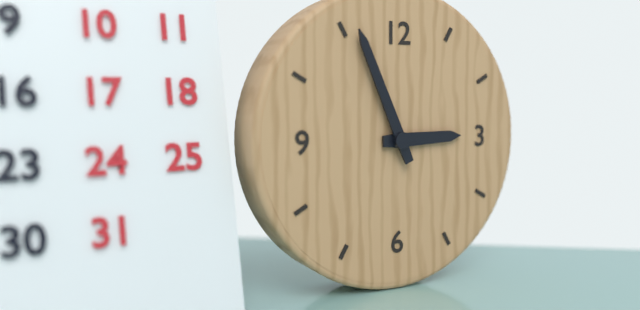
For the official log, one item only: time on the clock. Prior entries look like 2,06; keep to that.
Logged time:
2,56
